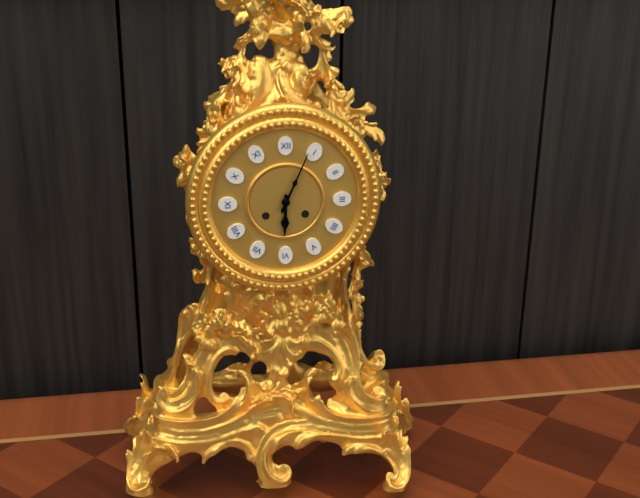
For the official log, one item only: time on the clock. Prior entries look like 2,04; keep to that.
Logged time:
6,04
